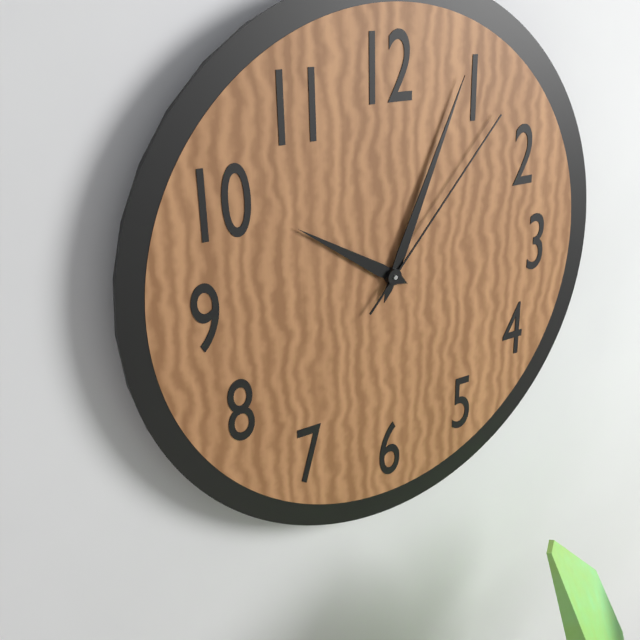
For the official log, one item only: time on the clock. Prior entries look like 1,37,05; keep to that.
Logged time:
10,04,07
